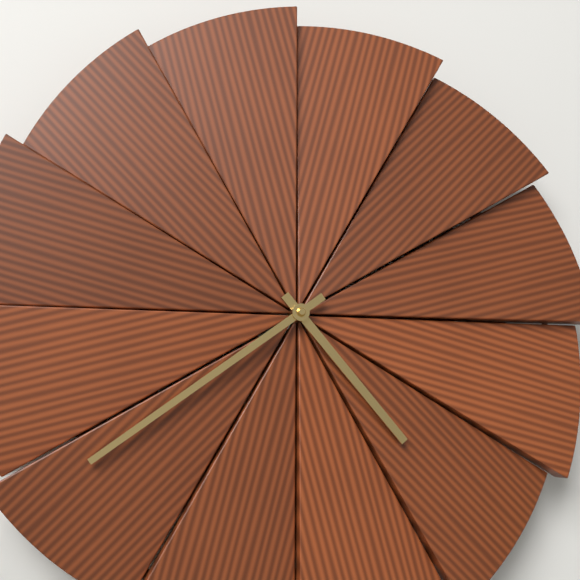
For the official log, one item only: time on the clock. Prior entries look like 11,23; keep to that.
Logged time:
4,39
